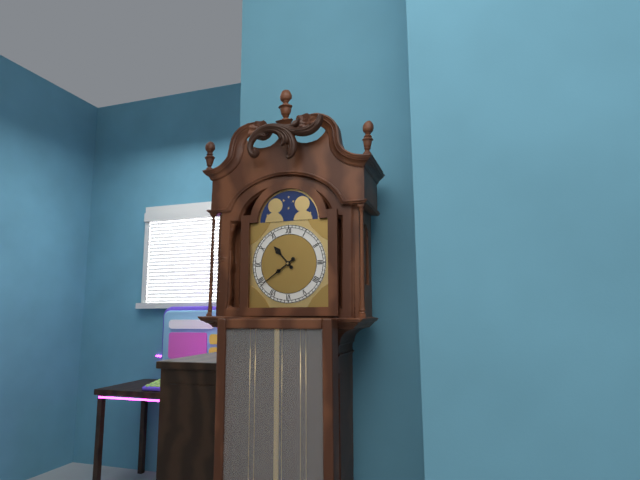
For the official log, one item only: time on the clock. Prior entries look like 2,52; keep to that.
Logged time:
10,39
